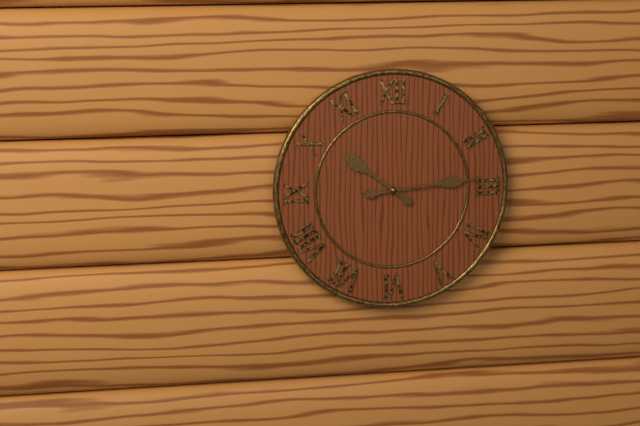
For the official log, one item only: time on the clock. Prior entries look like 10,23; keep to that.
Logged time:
10,14
